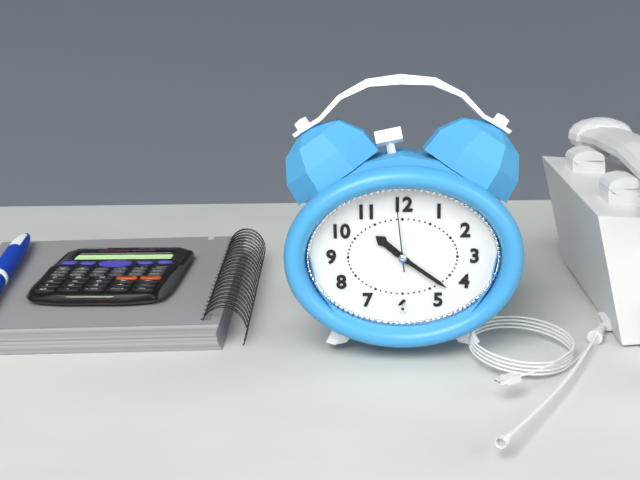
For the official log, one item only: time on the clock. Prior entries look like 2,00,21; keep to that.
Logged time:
10,21,59
